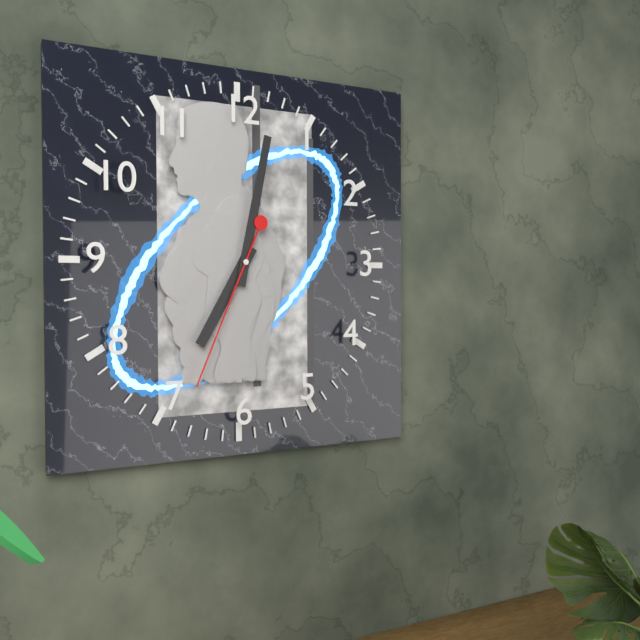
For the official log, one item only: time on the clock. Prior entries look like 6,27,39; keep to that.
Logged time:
7,02,34
